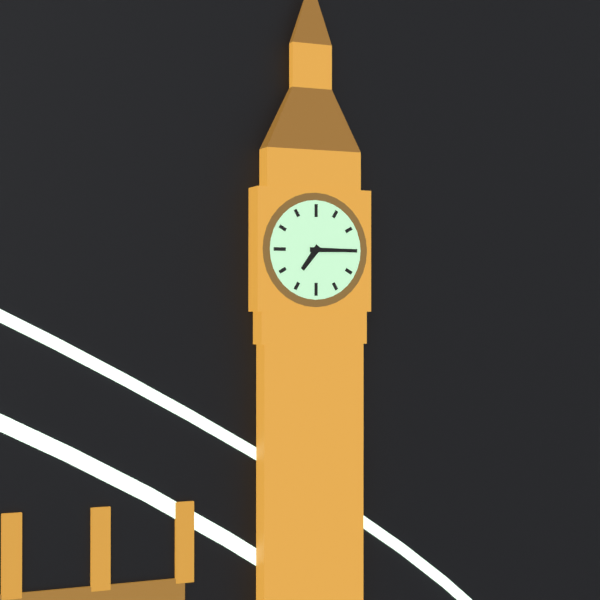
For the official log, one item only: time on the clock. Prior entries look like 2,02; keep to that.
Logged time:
7,15
